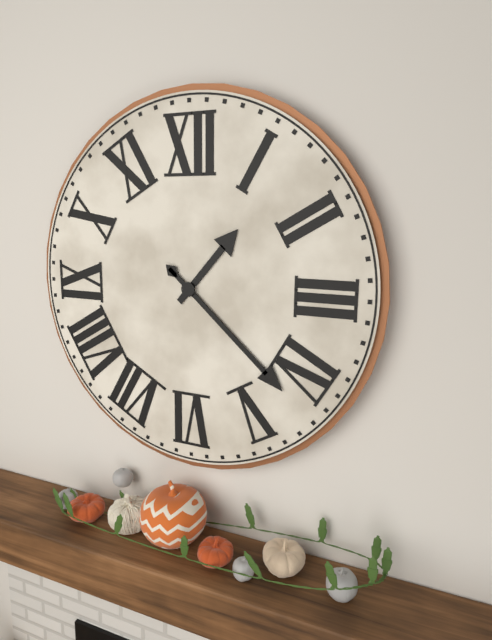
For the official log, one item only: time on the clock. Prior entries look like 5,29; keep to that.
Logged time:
1,22
